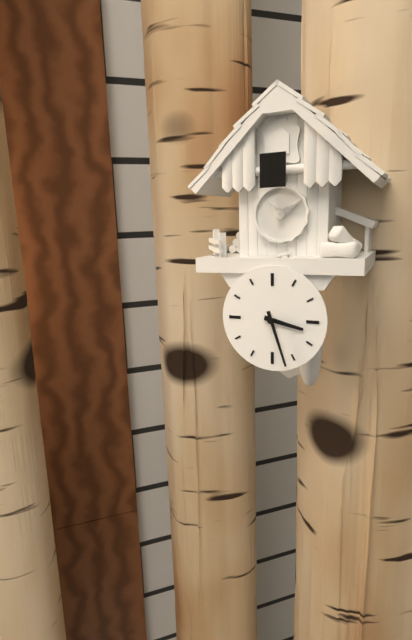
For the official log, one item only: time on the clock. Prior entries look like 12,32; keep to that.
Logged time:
3,27
